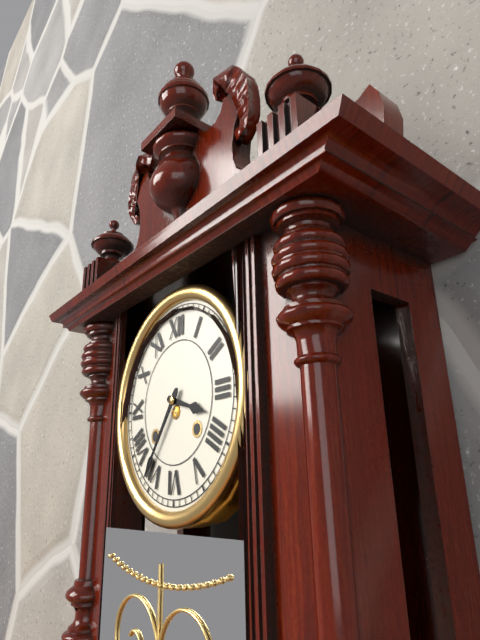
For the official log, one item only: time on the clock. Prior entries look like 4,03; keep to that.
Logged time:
3,36
